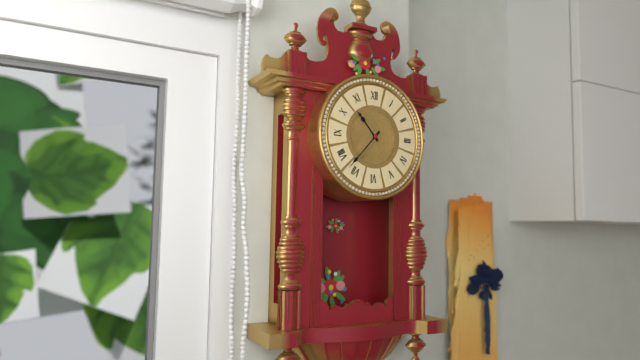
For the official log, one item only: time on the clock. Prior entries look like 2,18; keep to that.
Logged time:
10,37
